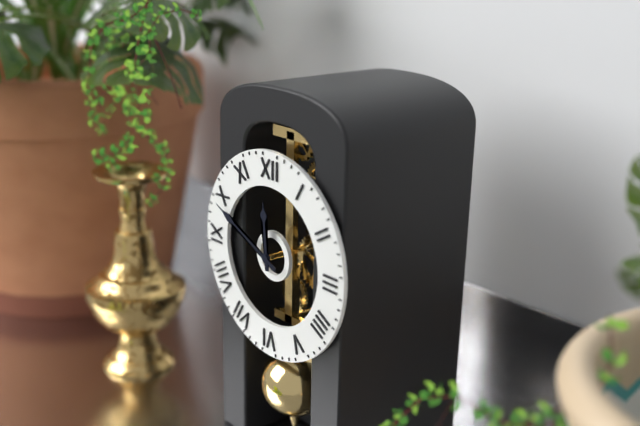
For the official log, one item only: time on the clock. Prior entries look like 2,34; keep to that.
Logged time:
11,49
